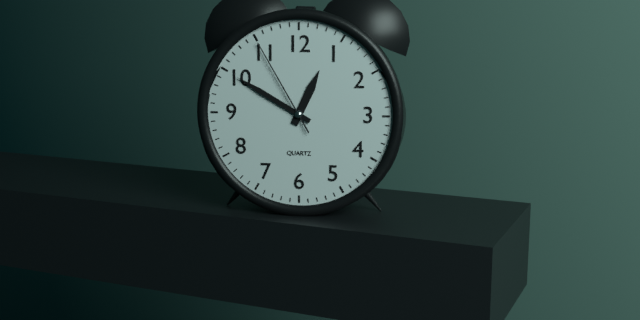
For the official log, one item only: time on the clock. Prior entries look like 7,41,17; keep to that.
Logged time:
12,50,55
